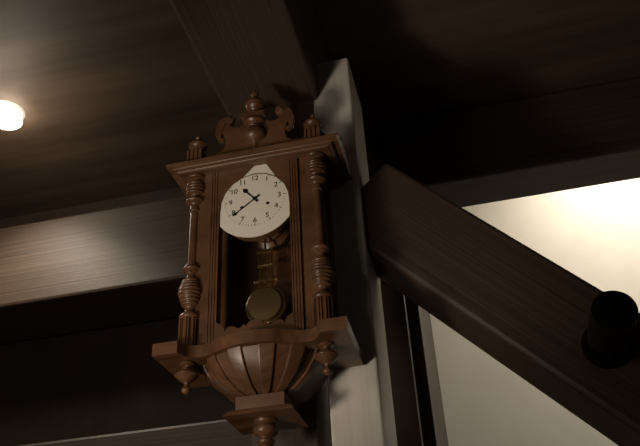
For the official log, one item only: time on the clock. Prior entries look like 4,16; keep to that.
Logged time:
10,39
